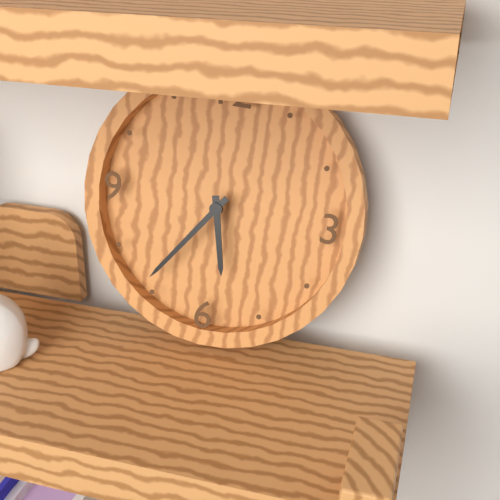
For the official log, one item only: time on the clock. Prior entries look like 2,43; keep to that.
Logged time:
5,36
